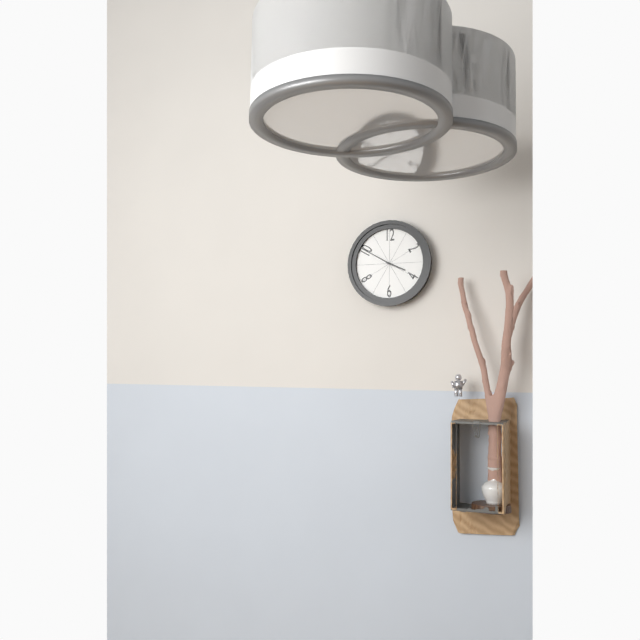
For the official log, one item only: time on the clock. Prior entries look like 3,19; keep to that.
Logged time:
3,50
